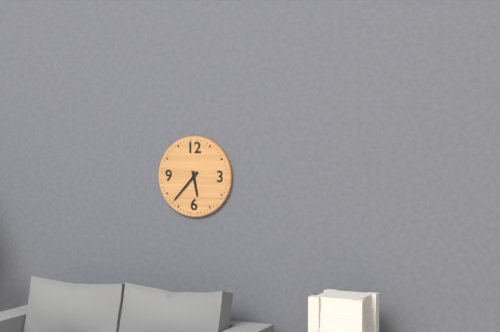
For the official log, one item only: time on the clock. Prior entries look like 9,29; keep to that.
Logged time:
5,37
